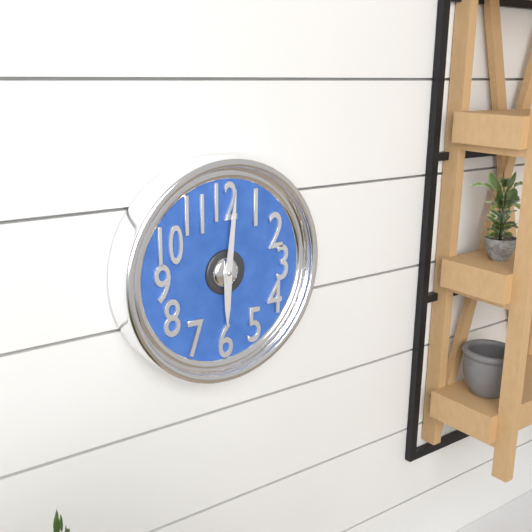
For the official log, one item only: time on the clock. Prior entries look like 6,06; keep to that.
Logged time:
6,01
